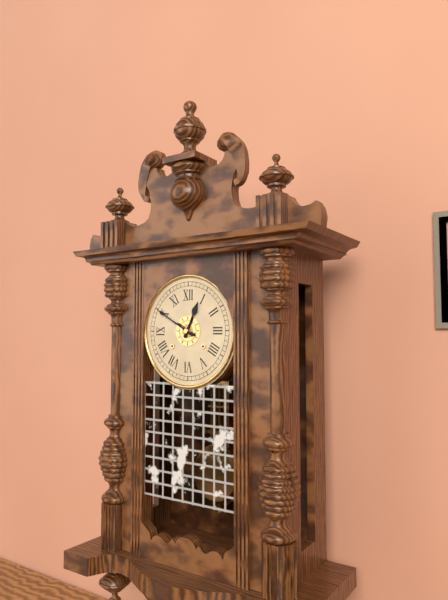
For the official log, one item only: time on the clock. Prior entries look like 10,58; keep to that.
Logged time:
12,50
